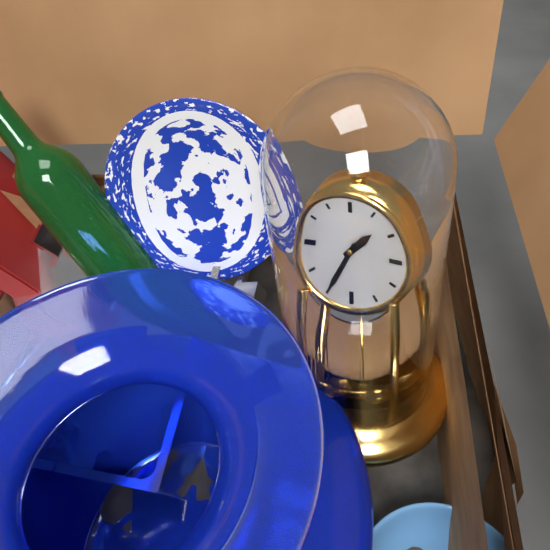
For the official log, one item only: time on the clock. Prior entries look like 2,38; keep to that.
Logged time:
1,35
